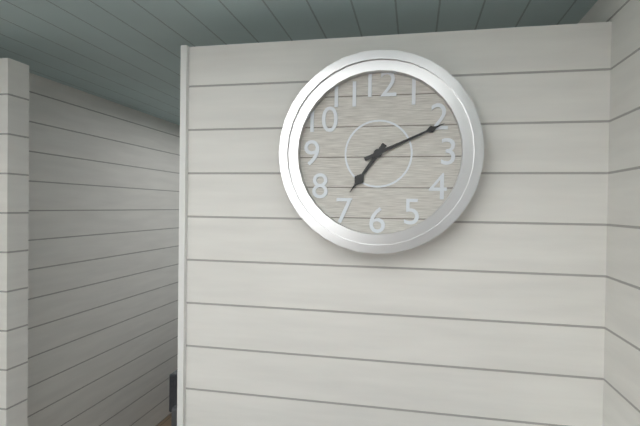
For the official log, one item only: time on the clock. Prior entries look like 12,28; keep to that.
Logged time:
7,11
